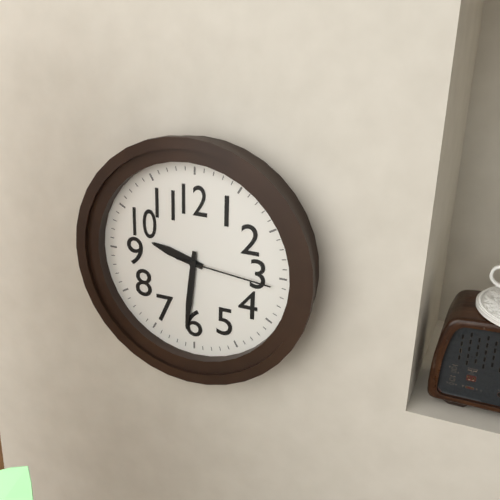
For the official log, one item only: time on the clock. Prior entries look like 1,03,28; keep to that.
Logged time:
9,31,16
